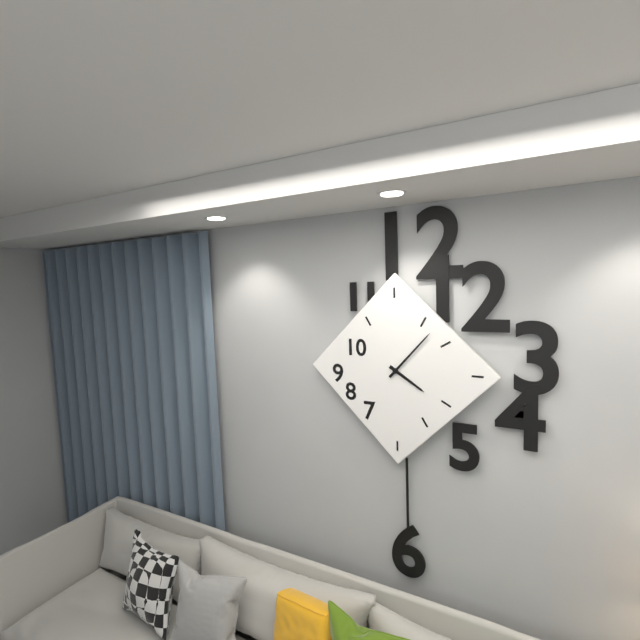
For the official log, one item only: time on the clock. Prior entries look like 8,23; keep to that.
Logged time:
4,07
